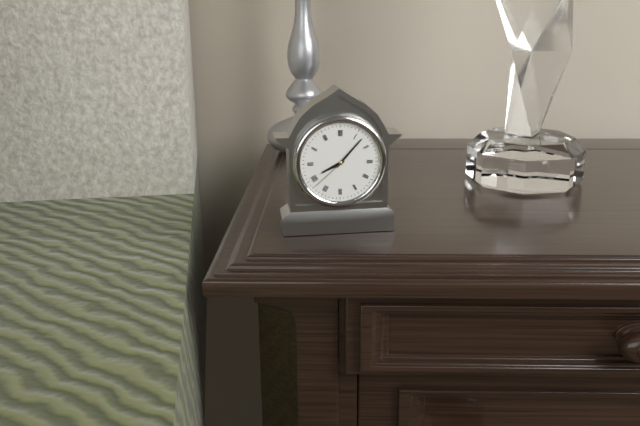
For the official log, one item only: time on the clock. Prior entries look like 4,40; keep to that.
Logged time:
8,07
